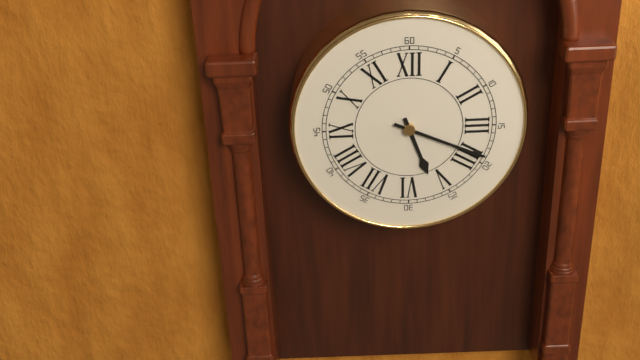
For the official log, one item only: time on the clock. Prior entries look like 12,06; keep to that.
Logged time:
5,19
